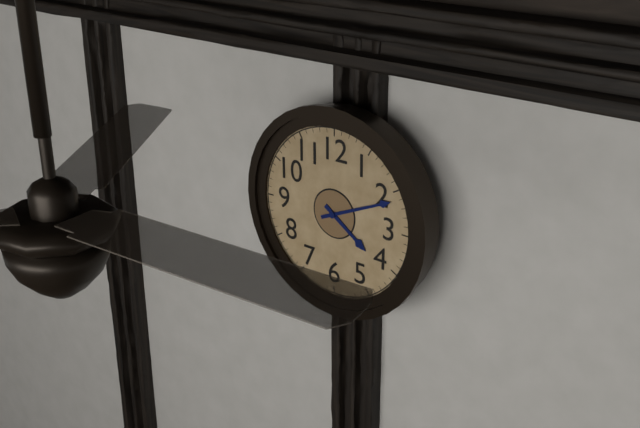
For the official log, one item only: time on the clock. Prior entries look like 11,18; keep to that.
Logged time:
4,11
